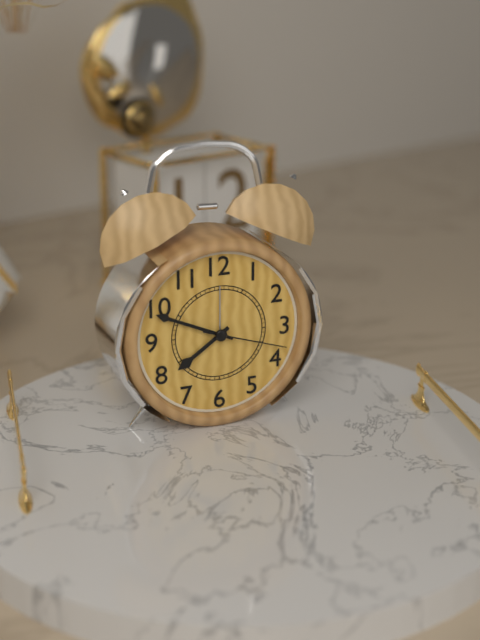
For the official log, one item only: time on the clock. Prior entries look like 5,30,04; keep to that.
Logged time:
7,49,18
